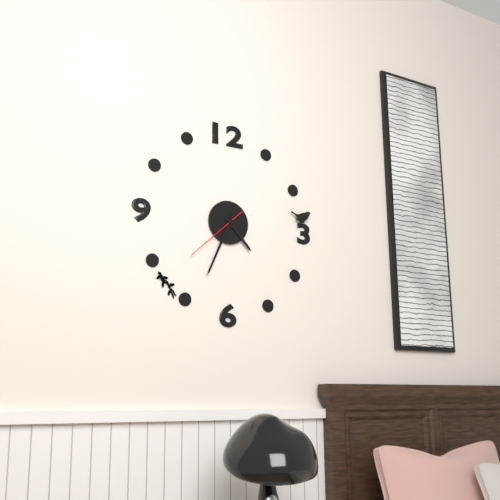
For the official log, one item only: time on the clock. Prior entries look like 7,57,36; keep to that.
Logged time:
4,34,38
